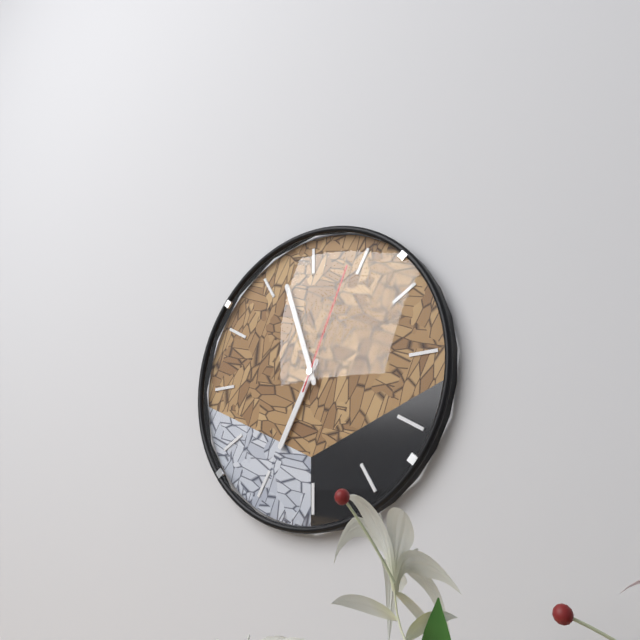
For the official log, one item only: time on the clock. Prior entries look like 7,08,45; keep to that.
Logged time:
6,57,04
